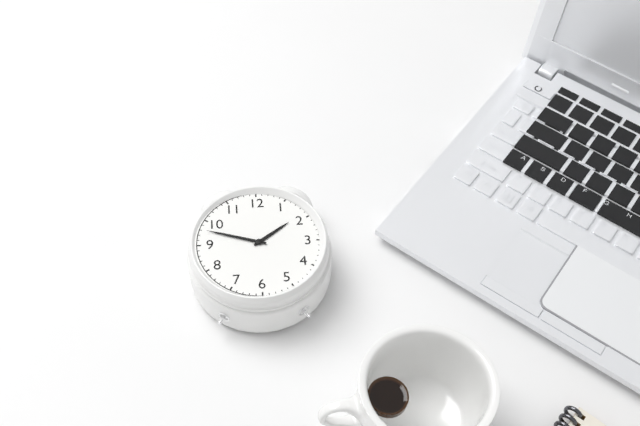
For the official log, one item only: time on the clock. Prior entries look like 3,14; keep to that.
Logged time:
1,48
